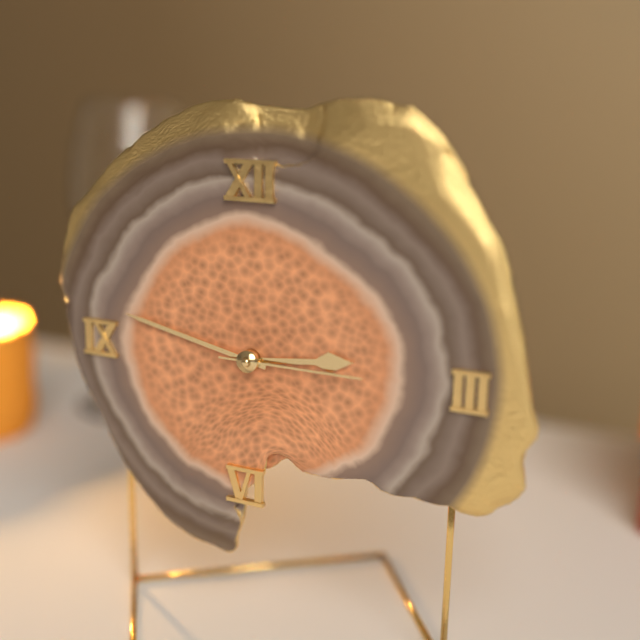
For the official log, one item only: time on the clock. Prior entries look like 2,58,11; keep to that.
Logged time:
2,47,15
